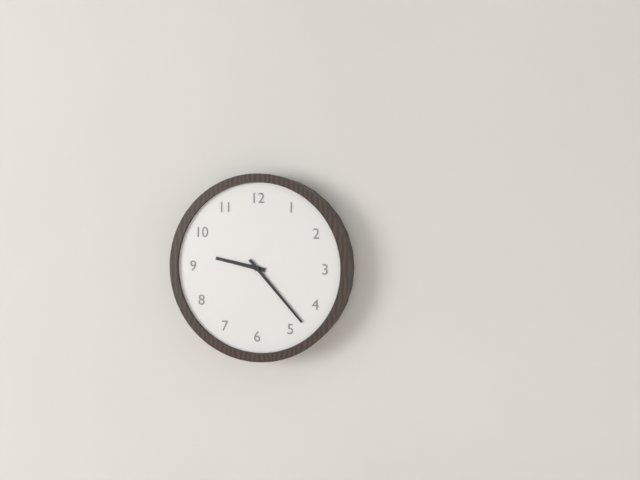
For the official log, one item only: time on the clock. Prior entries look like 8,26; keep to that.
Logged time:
9,23
